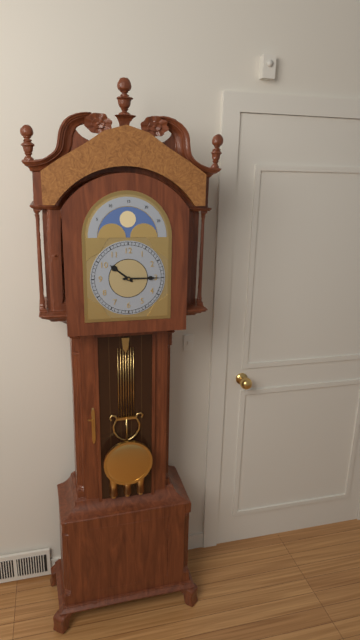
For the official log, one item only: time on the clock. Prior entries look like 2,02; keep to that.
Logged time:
10,15
